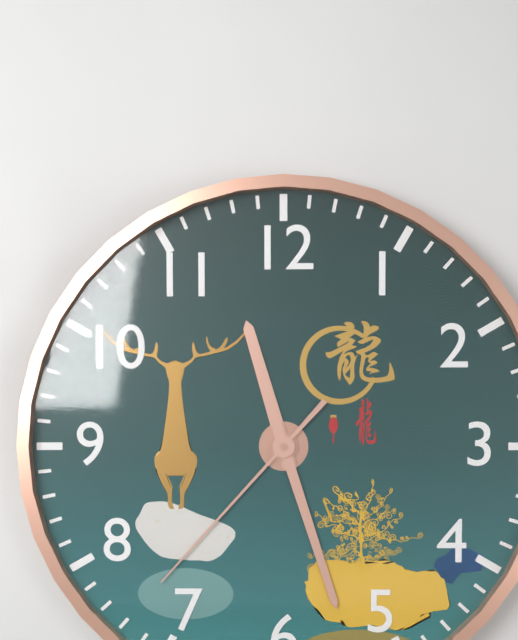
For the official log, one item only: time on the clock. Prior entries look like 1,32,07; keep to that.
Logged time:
11,27,37
